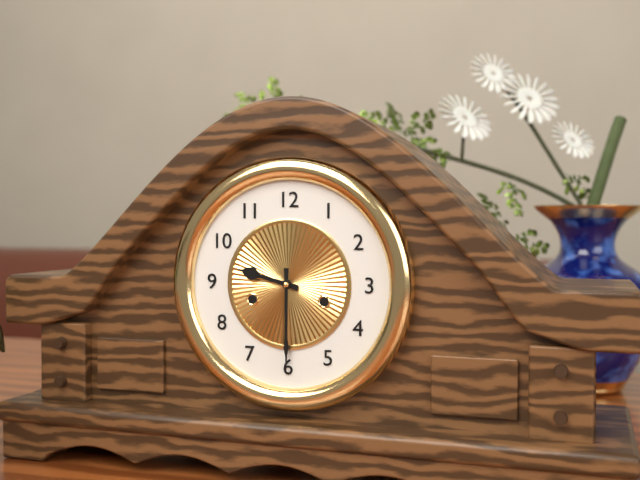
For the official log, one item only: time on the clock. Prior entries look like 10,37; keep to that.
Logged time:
9,30
